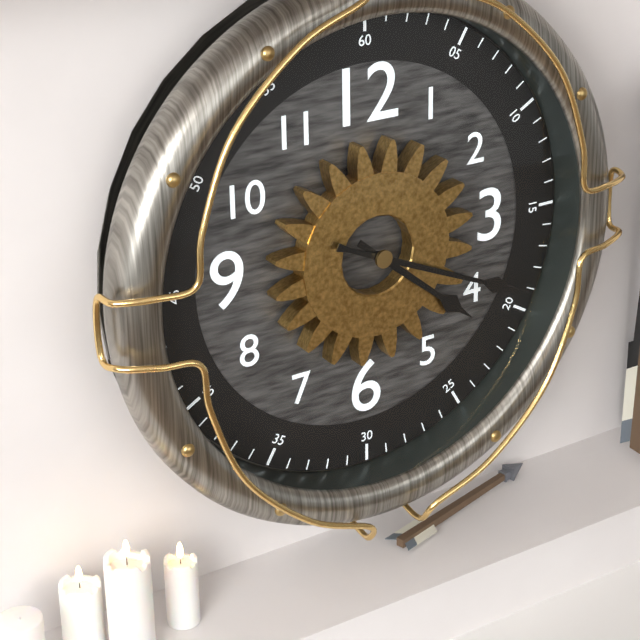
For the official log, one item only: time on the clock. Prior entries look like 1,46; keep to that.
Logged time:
4,19
